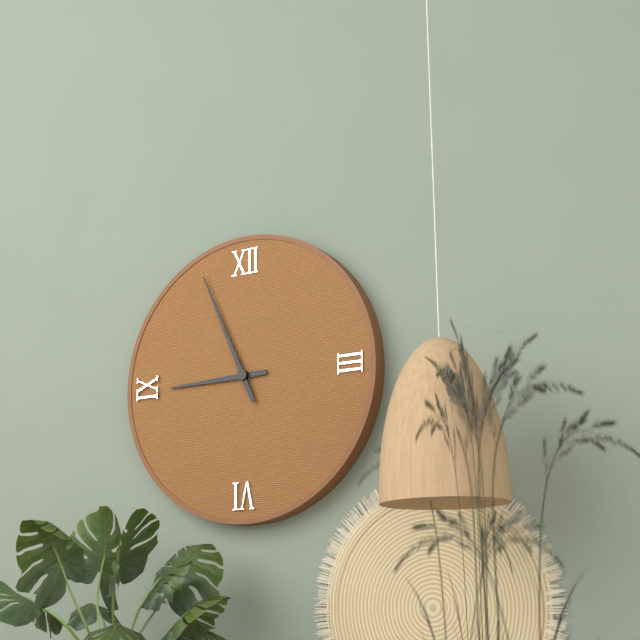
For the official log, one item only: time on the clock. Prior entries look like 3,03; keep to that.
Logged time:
8,56
